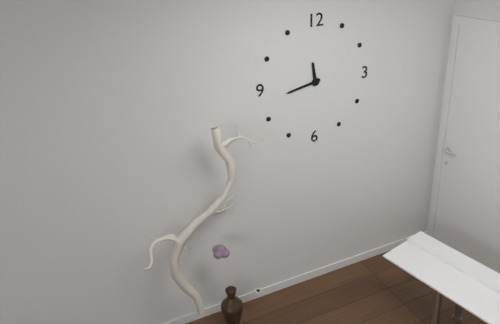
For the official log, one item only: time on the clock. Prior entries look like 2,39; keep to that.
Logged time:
11,43
